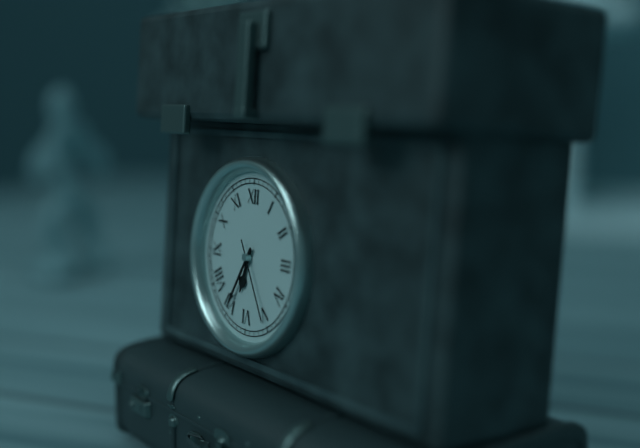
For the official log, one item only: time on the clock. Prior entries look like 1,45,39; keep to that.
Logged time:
6,35,25
